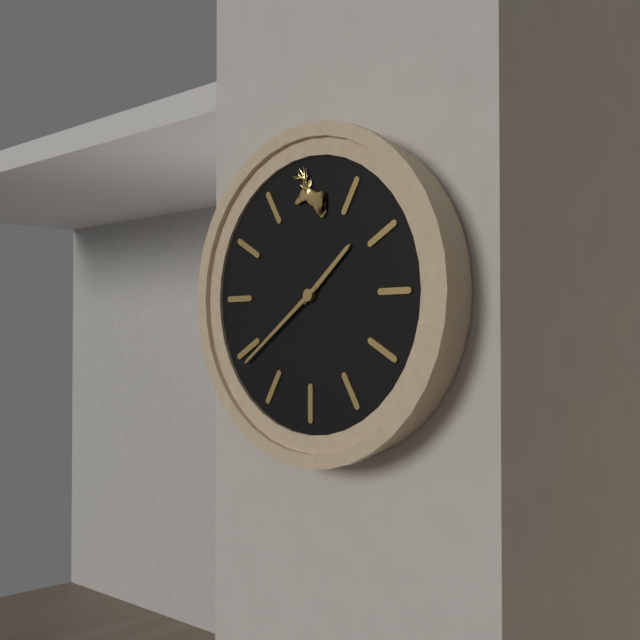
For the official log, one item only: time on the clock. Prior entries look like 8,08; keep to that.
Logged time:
1,39
